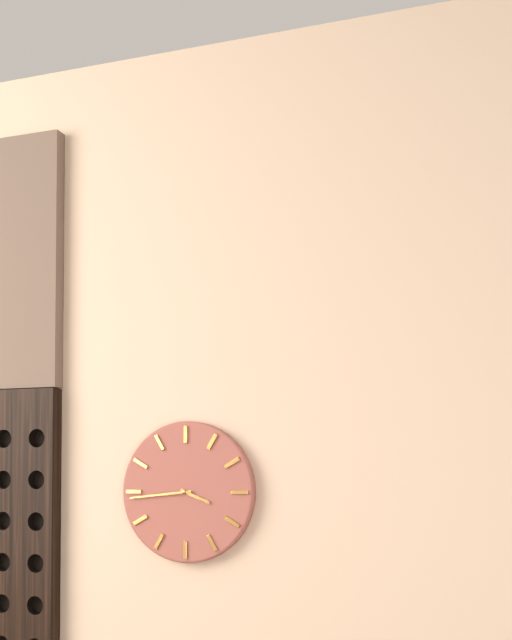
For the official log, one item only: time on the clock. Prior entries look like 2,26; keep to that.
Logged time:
3,44
